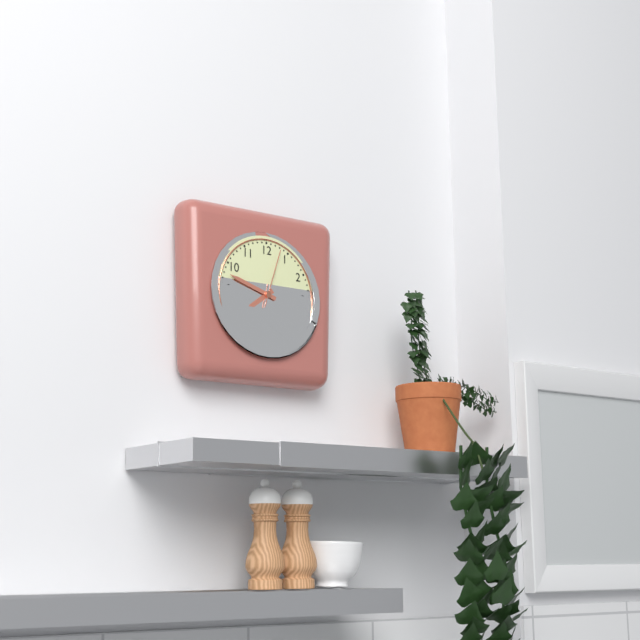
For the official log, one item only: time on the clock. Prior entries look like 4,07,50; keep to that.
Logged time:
7,48,03
